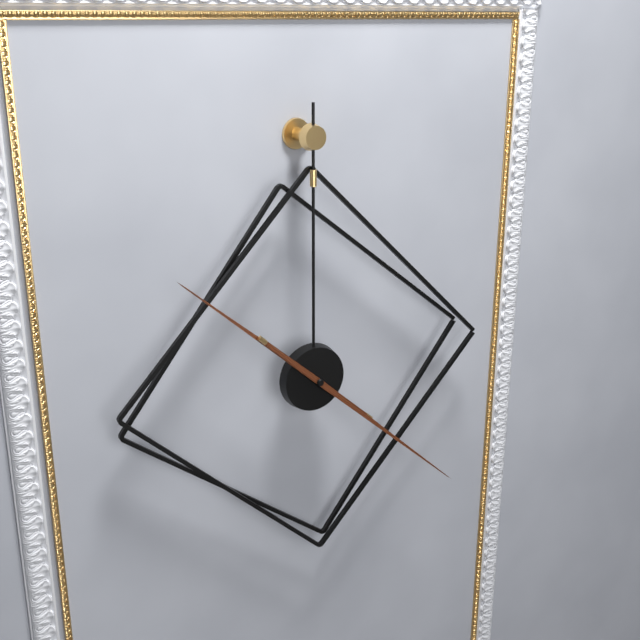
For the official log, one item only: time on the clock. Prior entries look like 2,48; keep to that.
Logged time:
10,22
